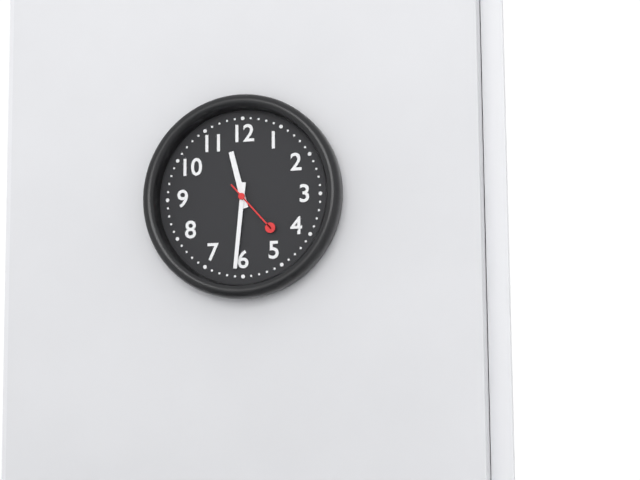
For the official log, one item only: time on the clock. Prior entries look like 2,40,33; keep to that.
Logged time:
11,31,23
